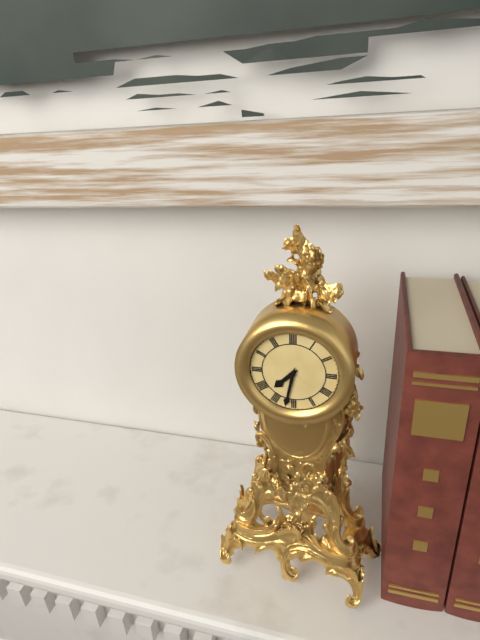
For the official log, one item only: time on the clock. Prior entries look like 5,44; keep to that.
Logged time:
7,32
